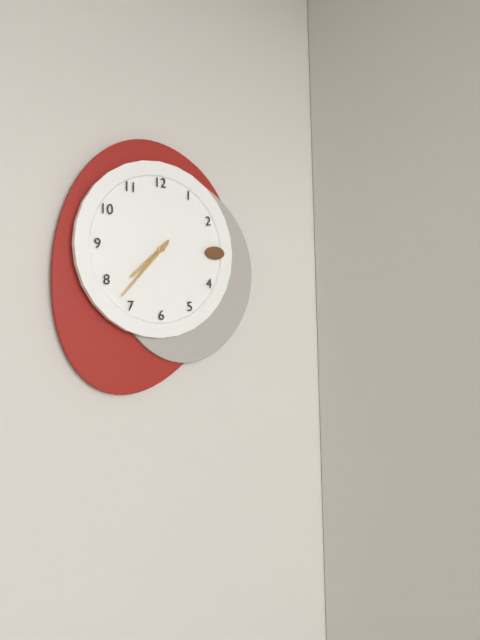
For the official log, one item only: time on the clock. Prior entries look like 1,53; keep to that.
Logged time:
7,37
